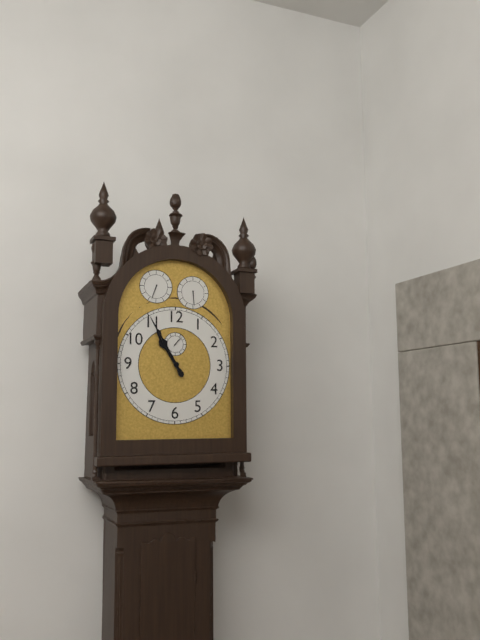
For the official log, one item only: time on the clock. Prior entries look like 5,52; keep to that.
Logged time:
10,55
